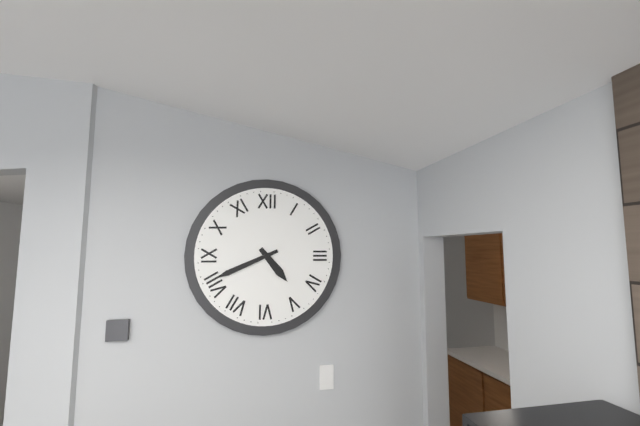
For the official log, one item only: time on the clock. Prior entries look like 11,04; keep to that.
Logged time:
4,41
